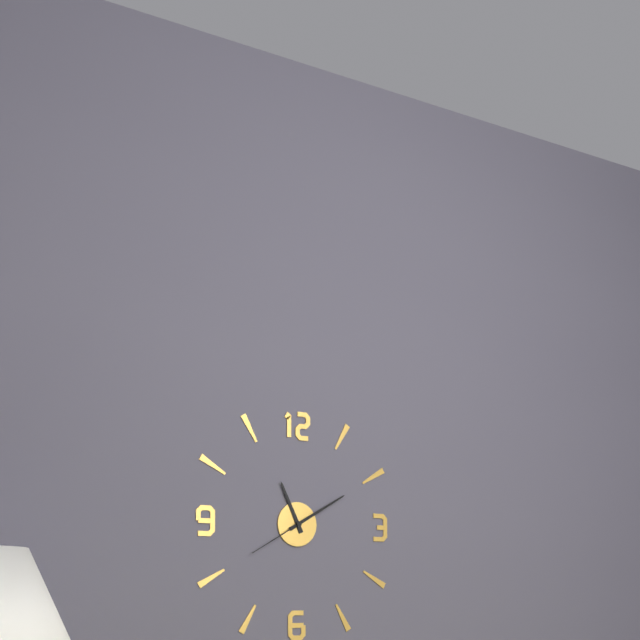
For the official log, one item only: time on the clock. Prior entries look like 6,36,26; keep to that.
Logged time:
11,10,40
